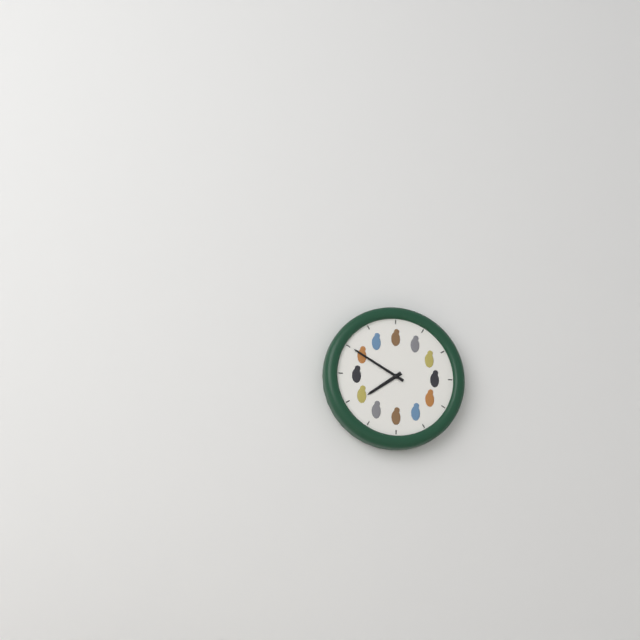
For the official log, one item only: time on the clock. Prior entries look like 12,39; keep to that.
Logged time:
7,50
